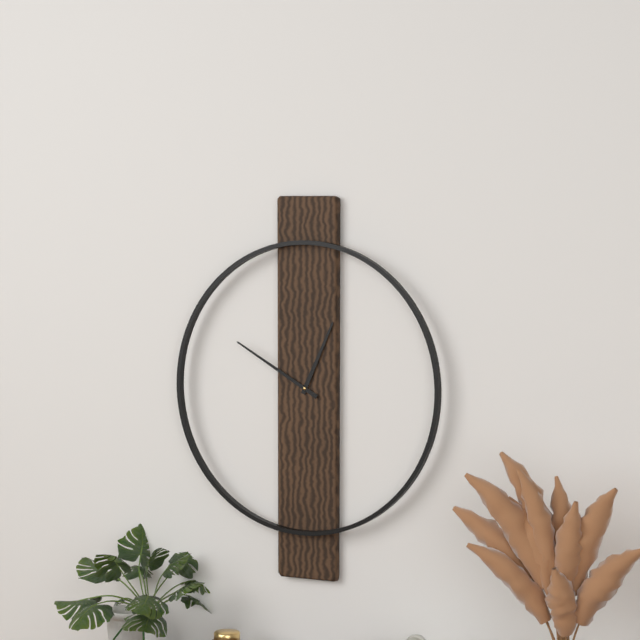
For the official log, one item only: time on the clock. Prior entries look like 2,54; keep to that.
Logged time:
12,50
